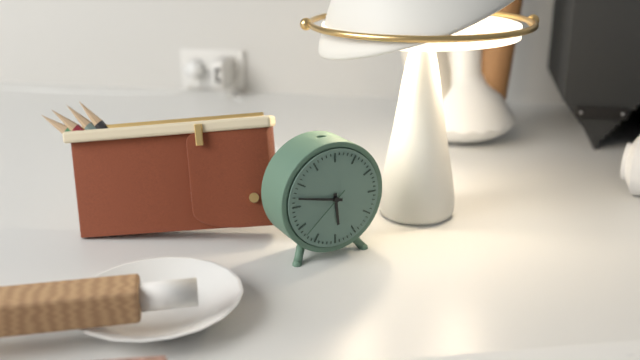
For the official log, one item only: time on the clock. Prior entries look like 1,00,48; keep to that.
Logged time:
5,47,38
